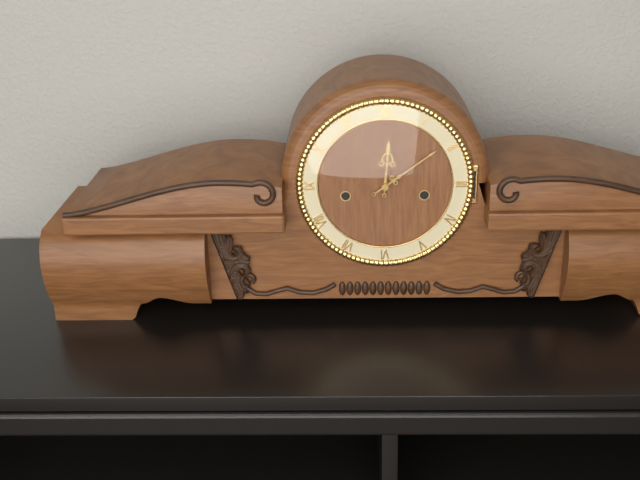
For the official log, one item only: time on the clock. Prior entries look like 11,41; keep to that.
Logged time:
12,09
